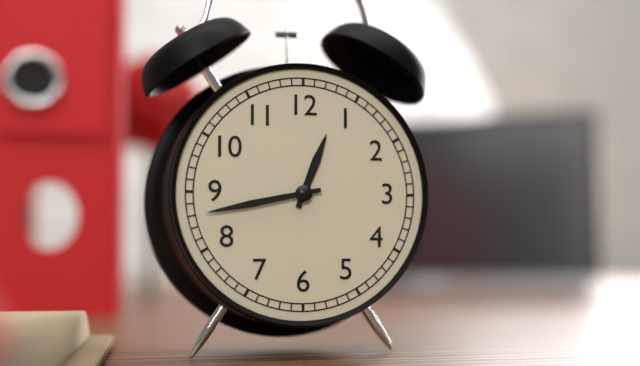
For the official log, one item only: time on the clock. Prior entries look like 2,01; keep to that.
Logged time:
12,43
